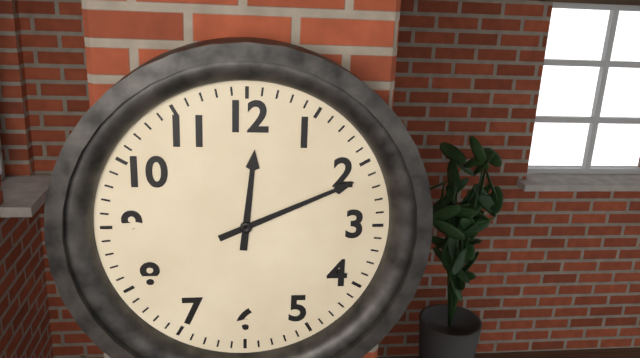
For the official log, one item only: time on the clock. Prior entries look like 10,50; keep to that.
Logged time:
12,11
